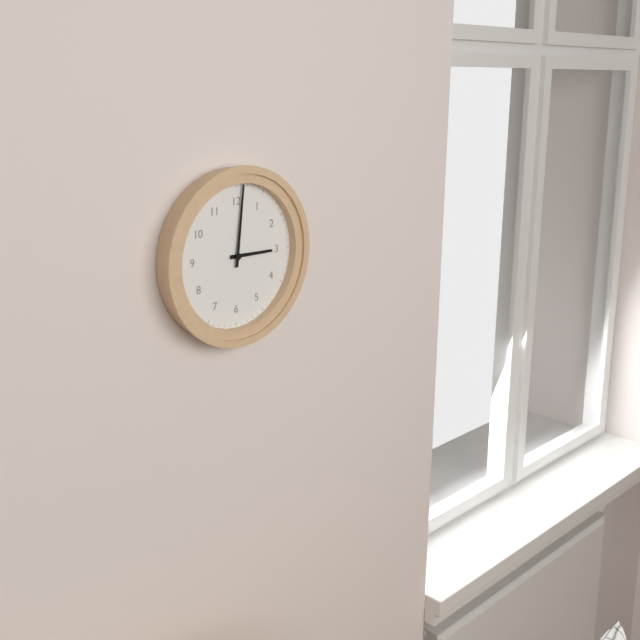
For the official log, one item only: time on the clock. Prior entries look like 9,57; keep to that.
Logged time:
3,01
